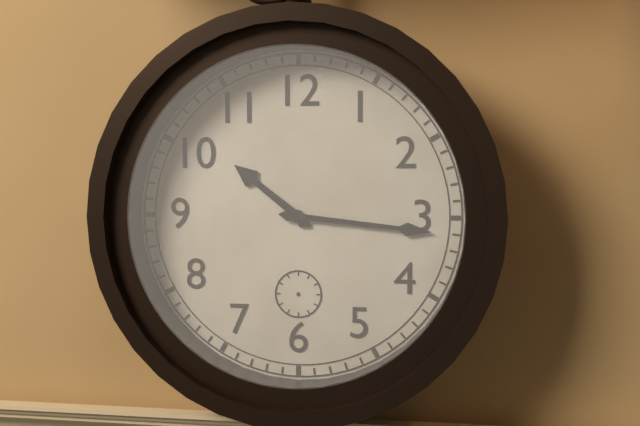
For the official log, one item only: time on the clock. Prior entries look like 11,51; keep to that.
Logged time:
10,16
